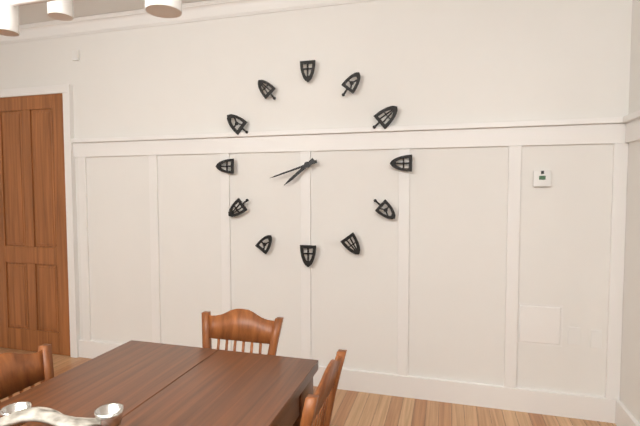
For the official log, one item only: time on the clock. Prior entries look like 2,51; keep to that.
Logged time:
7,42
